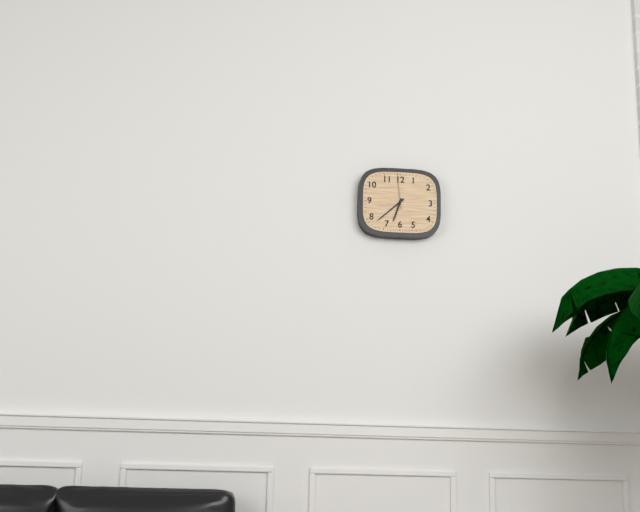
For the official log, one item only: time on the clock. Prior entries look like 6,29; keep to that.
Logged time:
6,38
